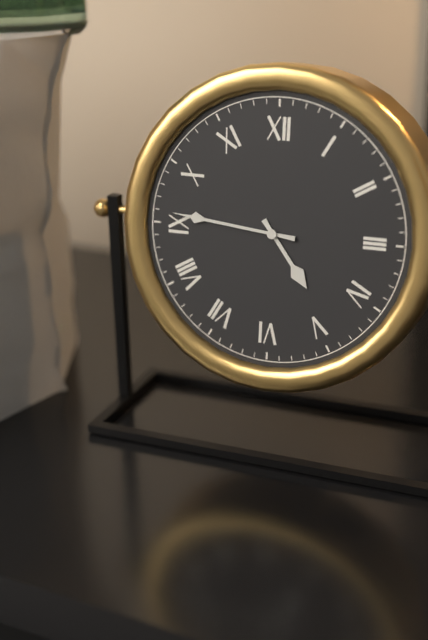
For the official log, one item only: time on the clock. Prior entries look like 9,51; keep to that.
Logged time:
4,46
